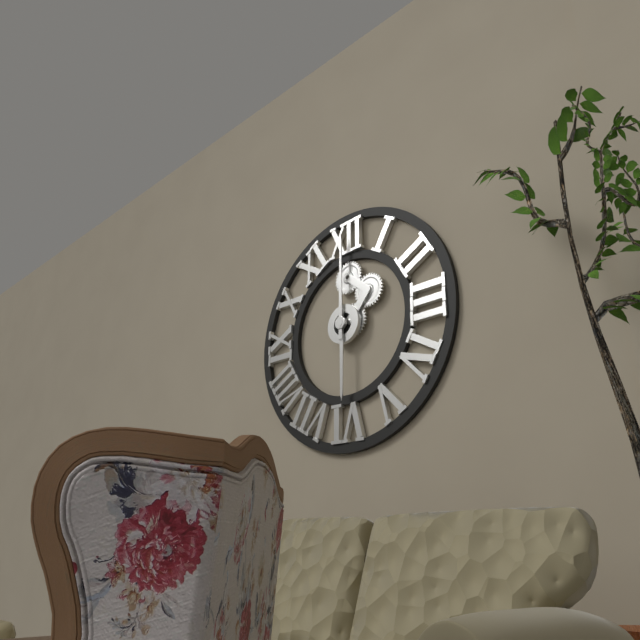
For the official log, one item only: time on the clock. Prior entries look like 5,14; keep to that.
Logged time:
6,00
